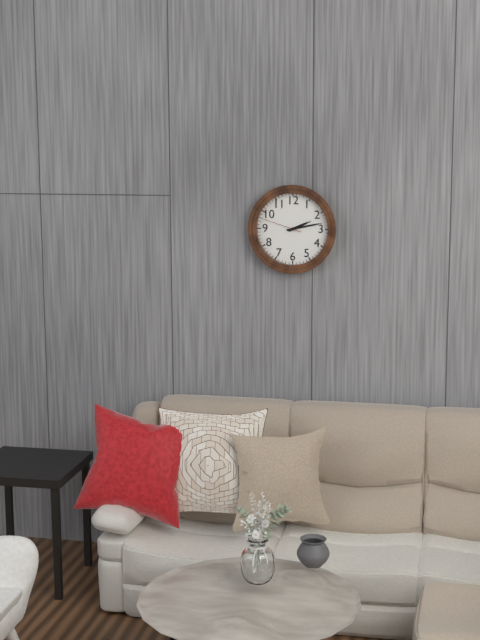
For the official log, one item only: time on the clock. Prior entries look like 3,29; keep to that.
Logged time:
2,13
